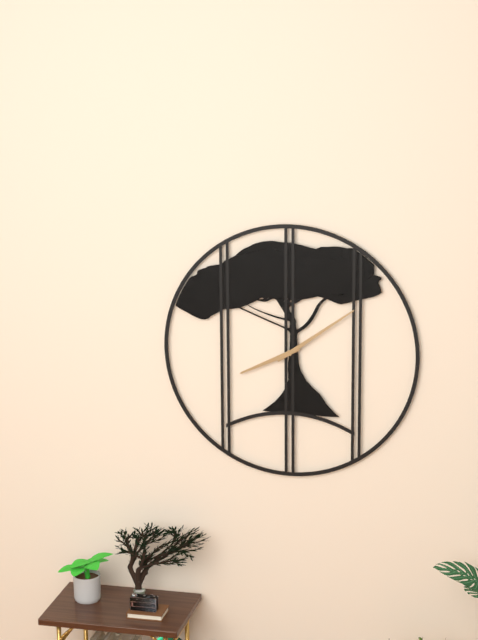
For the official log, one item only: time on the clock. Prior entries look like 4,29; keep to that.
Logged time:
8,09
